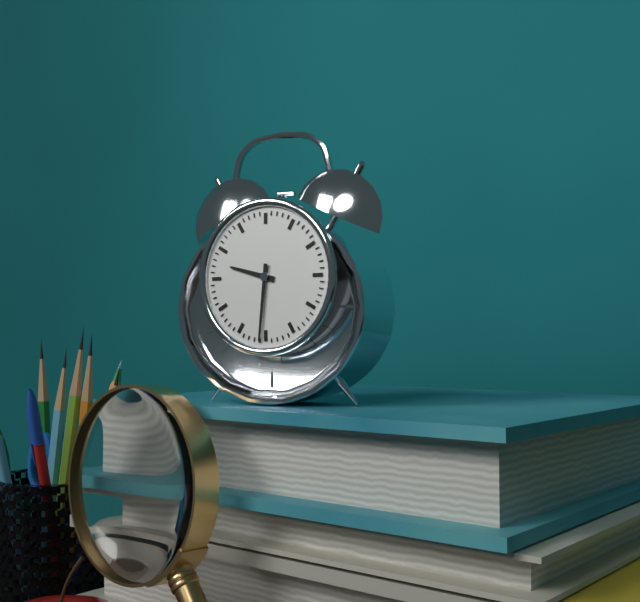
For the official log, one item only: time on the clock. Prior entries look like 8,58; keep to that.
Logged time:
9,31
